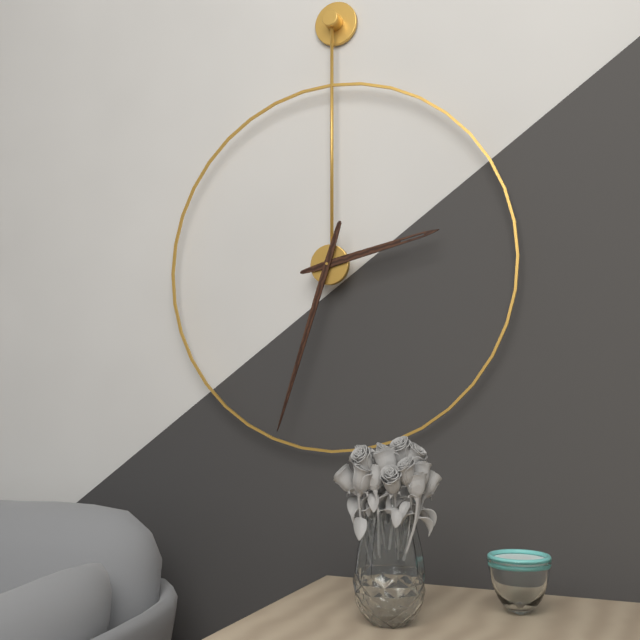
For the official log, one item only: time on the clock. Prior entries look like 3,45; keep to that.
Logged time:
2,33
